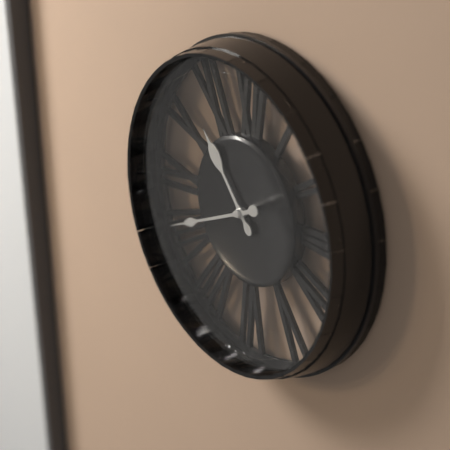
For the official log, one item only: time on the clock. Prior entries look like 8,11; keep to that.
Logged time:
10,41
